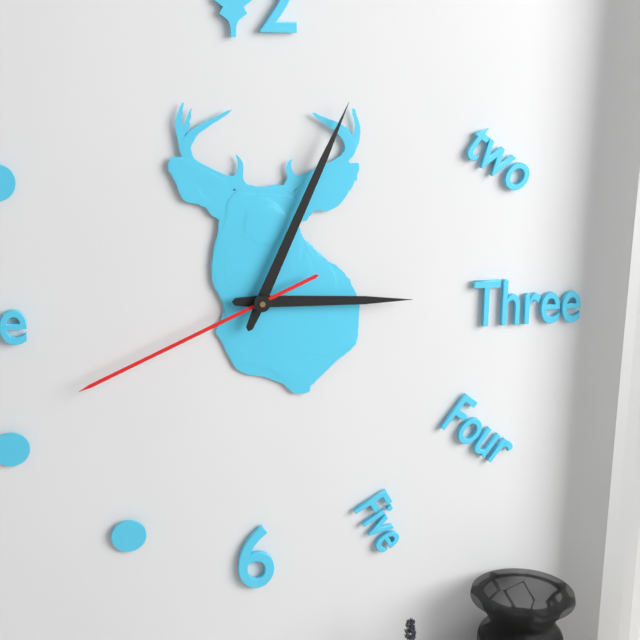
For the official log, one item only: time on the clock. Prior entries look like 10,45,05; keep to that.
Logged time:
3,04,41
